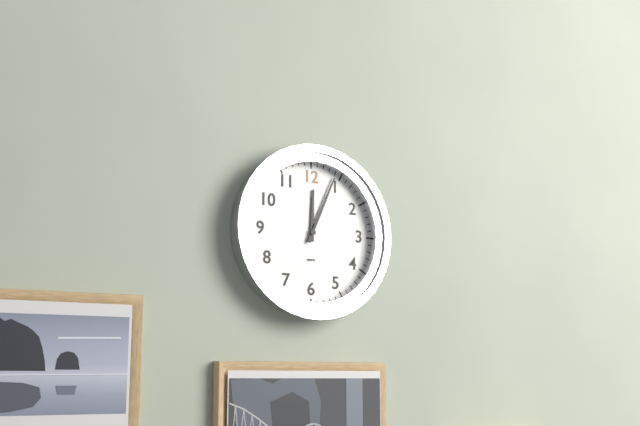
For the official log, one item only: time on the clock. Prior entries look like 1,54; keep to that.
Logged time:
12,04
